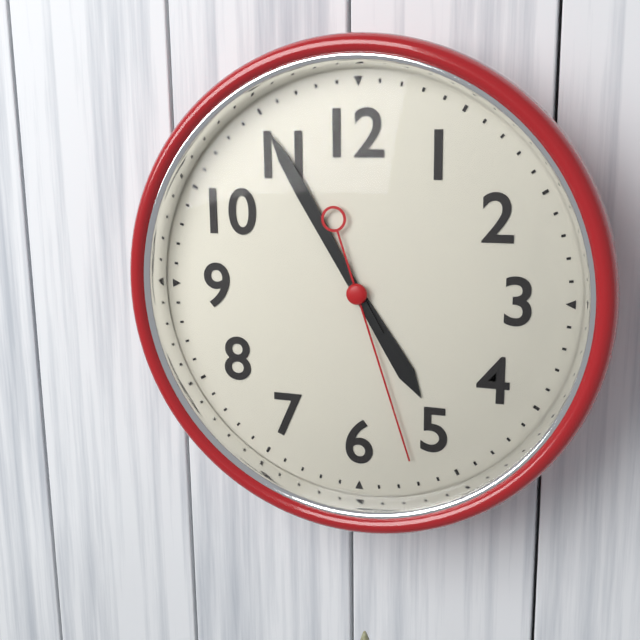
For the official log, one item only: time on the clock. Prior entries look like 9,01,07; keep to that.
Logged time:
4,55,27
